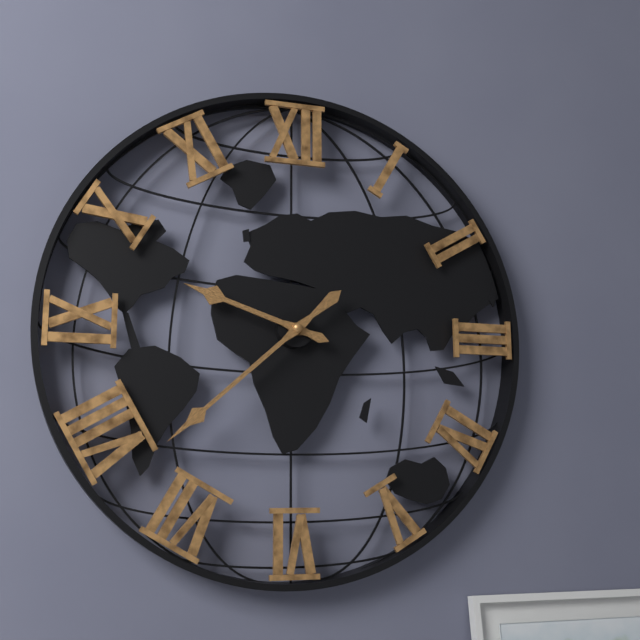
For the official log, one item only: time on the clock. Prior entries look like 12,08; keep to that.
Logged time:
9,38
